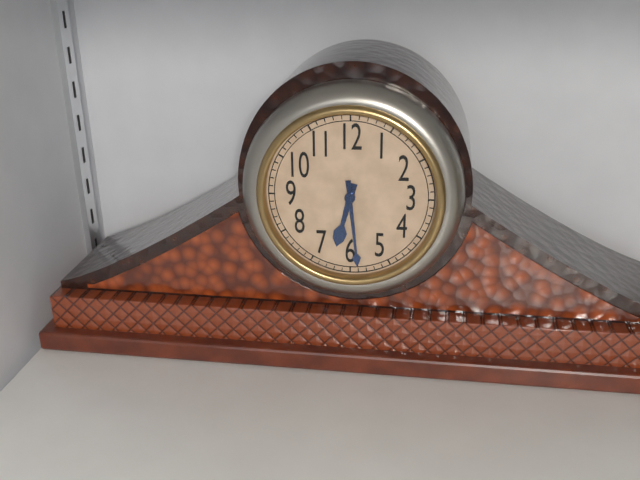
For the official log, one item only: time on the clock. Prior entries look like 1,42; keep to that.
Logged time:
6,29
